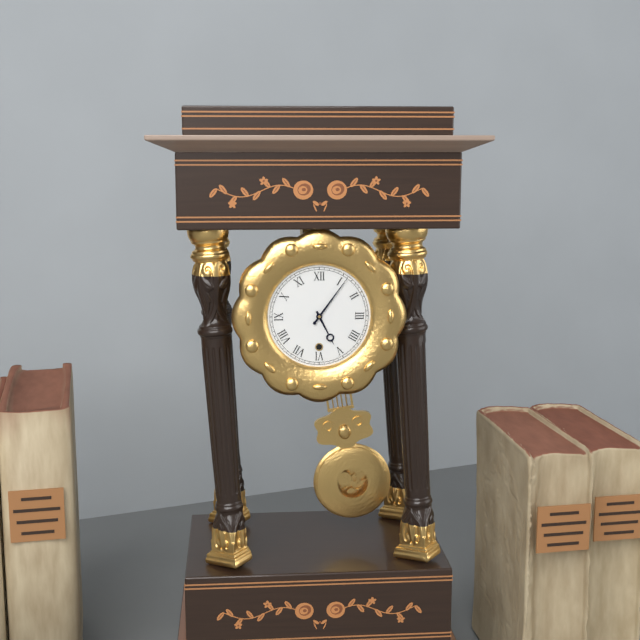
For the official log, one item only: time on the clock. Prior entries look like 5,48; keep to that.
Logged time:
5,06
